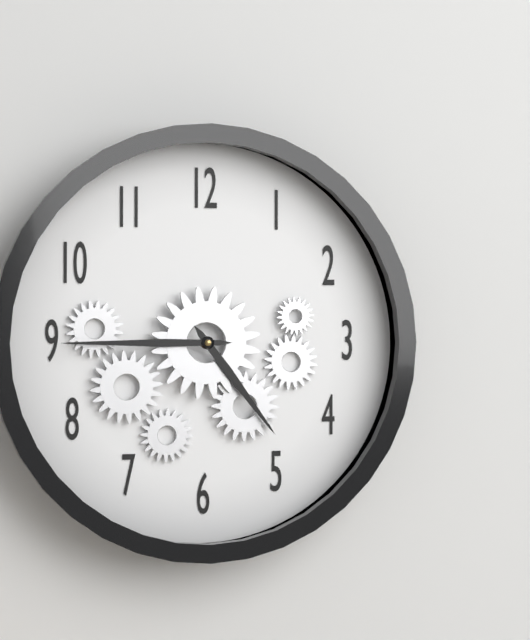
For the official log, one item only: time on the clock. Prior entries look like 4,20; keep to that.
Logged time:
4,45
